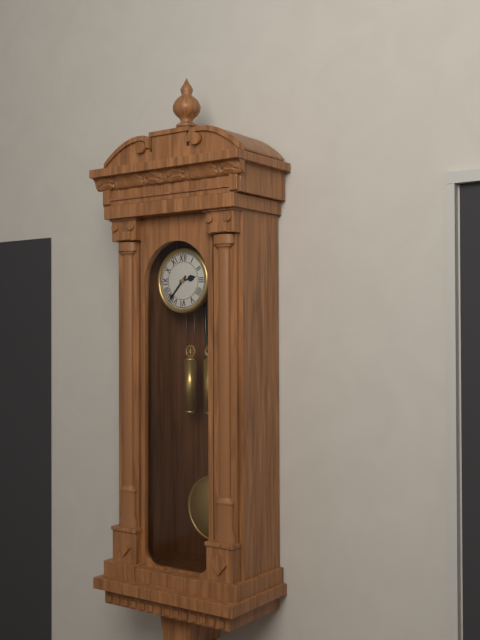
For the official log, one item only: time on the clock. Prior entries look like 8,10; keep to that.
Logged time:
2,37
